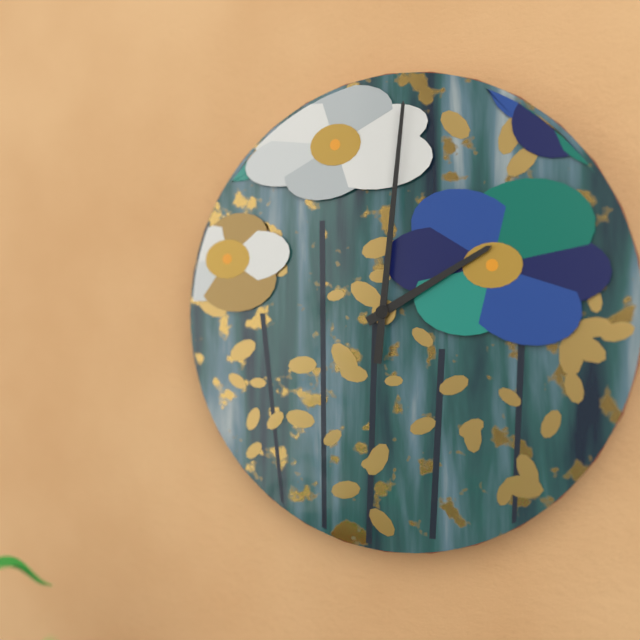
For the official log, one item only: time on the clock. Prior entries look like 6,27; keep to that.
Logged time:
2,01
